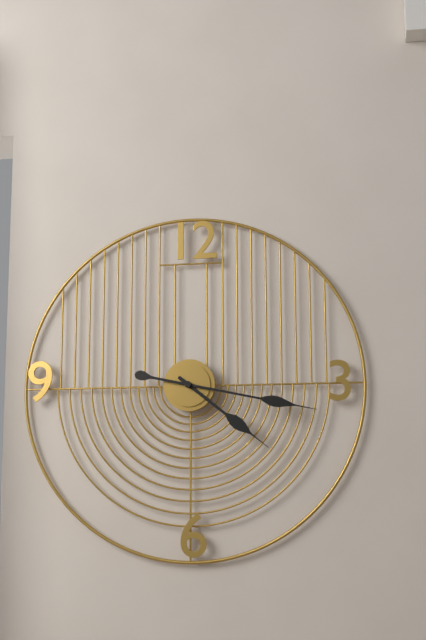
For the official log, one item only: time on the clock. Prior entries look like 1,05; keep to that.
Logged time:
4,17
